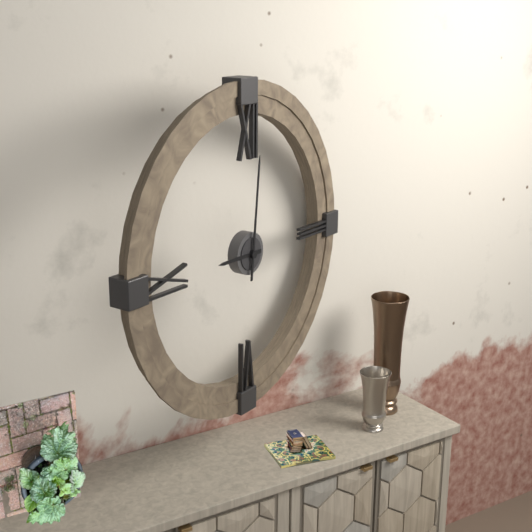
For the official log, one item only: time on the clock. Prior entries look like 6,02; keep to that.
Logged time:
9,01
